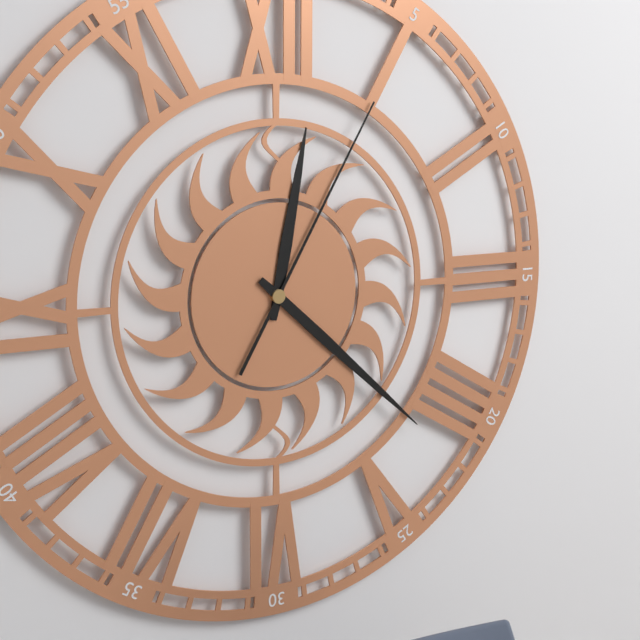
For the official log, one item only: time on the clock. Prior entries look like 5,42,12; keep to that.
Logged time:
12,22,05
